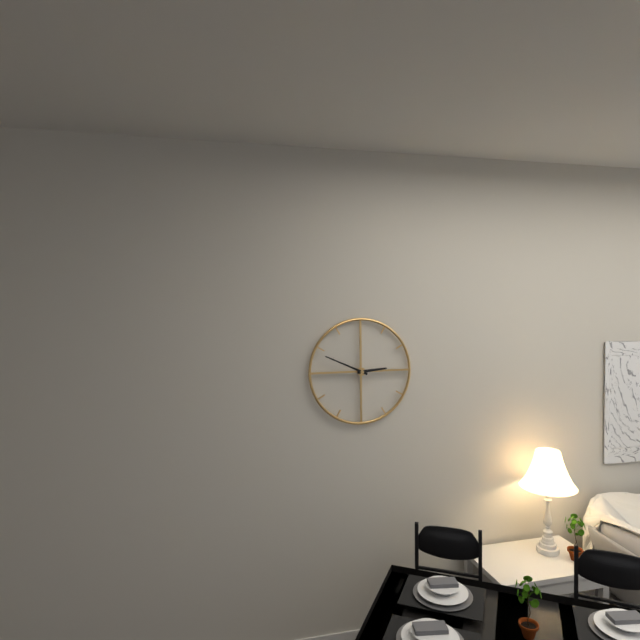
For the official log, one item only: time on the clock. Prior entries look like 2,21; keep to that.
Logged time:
2,49
